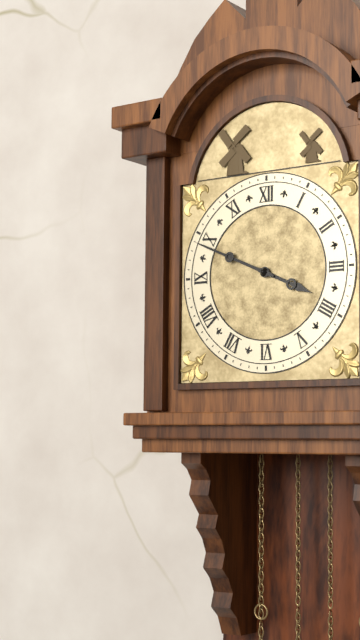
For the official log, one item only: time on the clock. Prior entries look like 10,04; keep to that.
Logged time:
3,49
